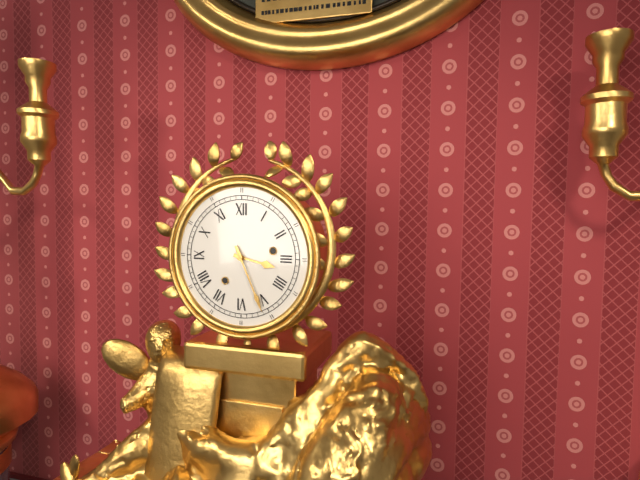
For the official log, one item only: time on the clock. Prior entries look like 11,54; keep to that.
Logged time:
3,26
